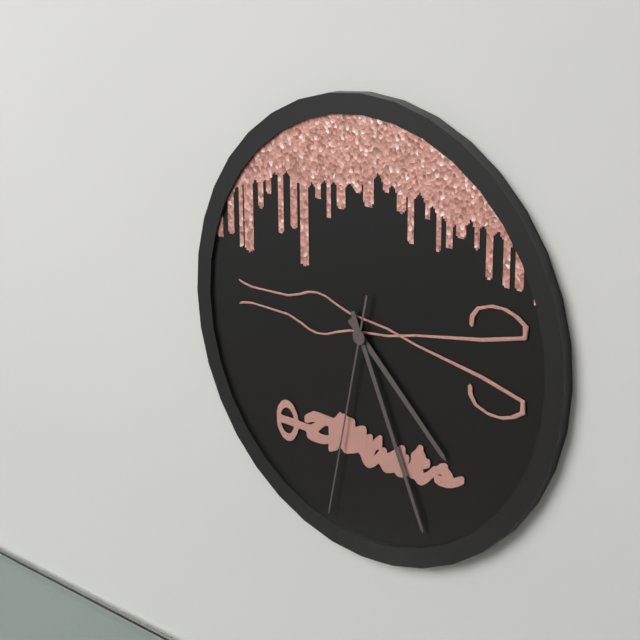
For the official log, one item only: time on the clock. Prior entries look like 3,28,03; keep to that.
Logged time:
4,26,32
